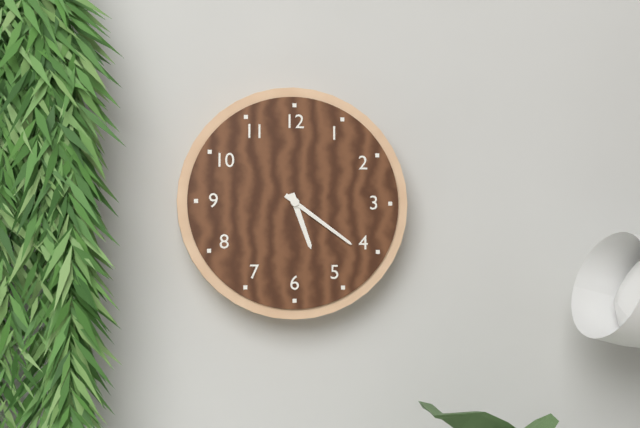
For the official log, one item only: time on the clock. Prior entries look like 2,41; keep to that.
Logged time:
5,21
